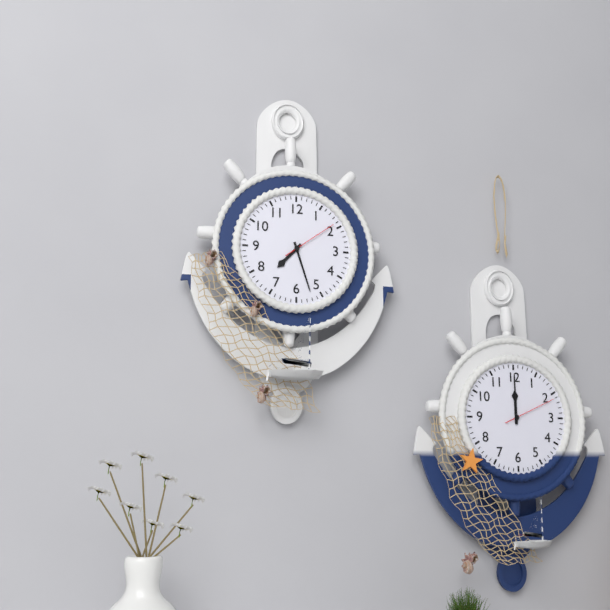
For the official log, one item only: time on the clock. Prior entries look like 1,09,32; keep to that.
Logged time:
7,27,09
